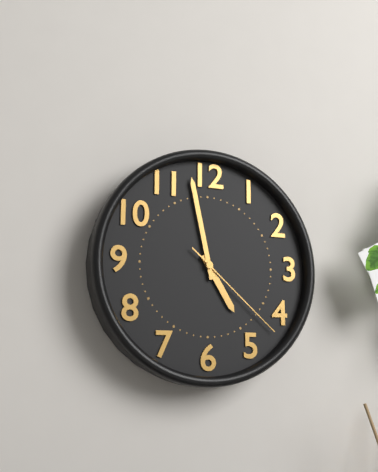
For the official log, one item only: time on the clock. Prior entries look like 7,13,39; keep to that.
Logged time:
4,58,22
